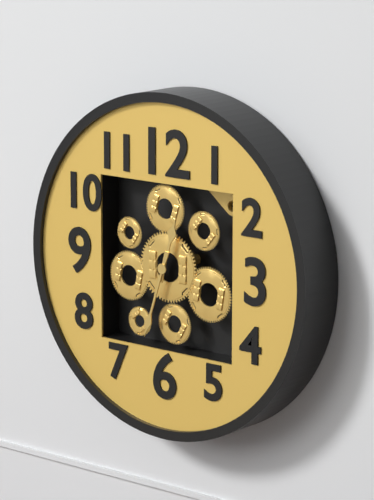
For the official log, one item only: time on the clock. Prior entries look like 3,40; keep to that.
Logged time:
12,33
